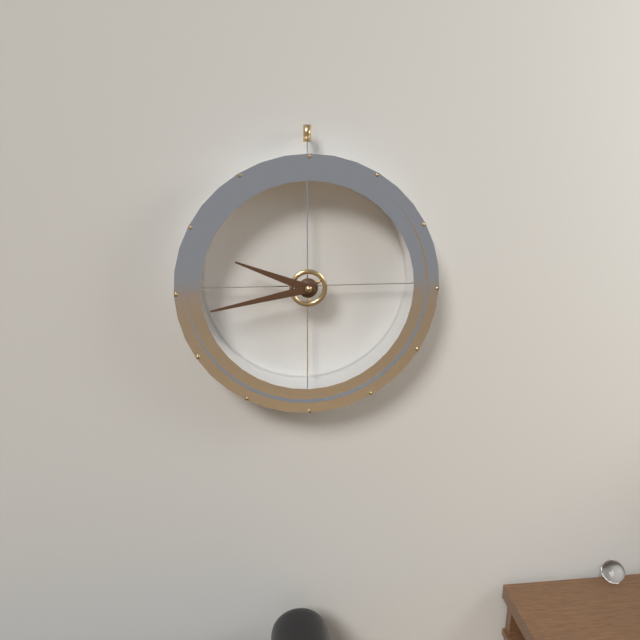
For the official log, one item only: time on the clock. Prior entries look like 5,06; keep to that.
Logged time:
9,43
